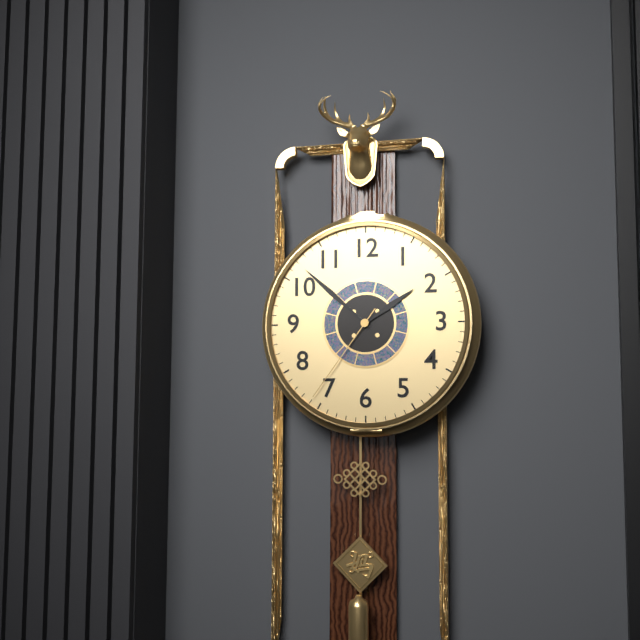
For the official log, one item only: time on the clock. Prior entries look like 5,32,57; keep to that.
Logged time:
1,52,36
